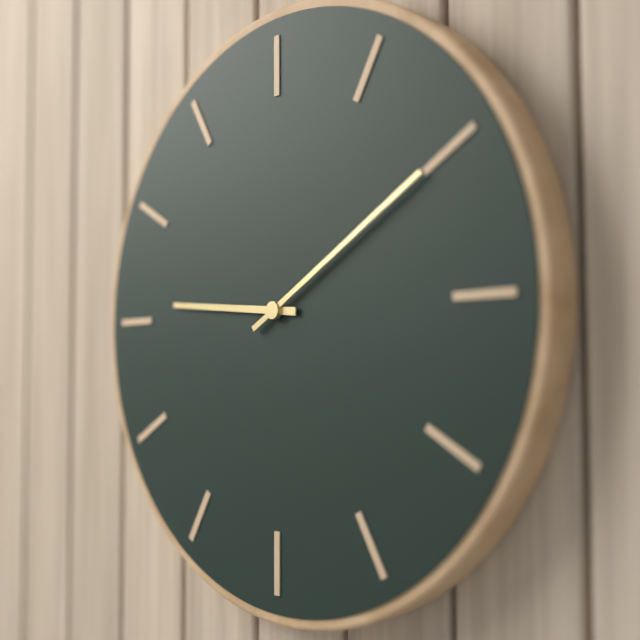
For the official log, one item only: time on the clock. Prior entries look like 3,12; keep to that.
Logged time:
9,10
